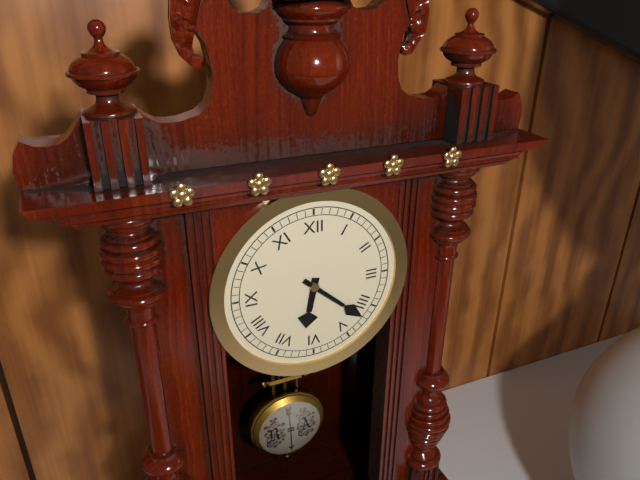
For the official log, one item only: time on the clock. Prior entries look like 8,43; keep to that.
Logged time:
6,22
